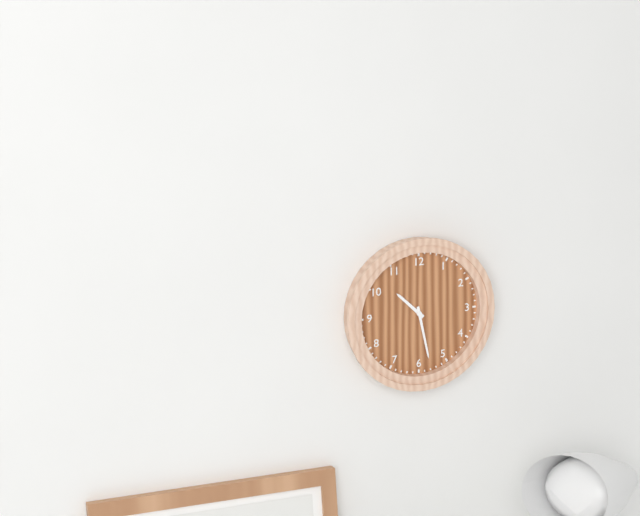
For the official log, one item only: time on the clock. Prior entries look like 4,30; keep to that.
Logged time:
10,28
